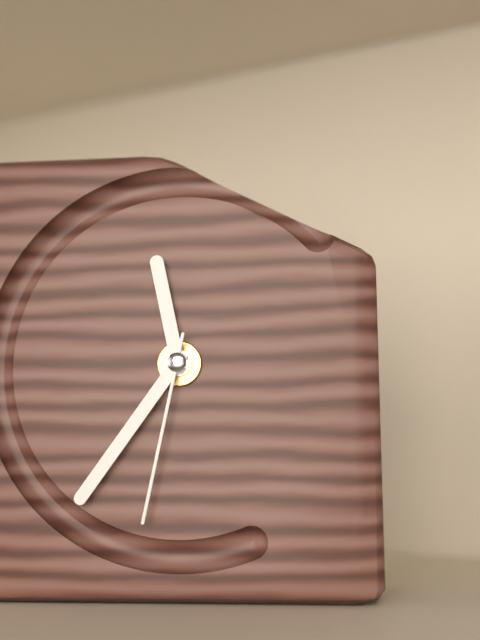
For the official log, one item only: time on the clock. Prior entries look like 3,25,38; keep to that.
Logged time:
11,36,32
